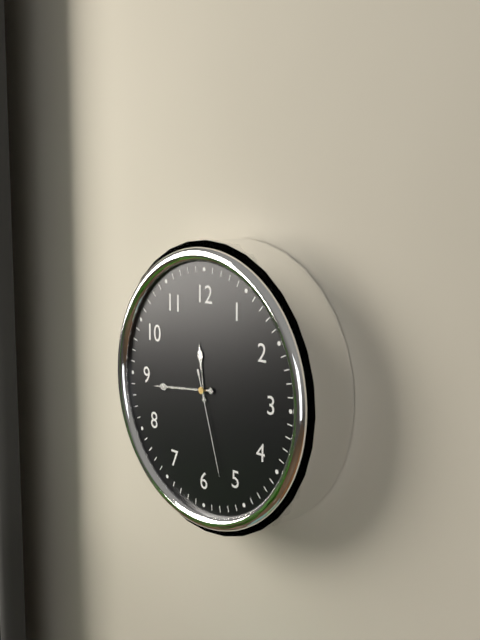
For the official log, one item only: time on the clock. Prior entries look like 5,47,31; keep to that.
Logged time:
11,44,27
